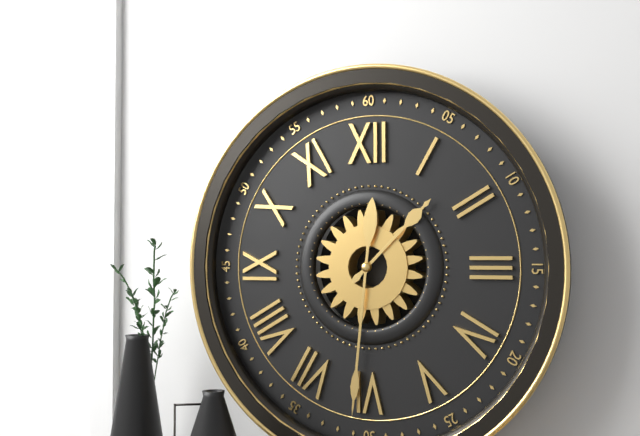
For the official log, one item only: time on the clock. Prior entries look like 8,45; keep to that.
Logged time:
1,31
